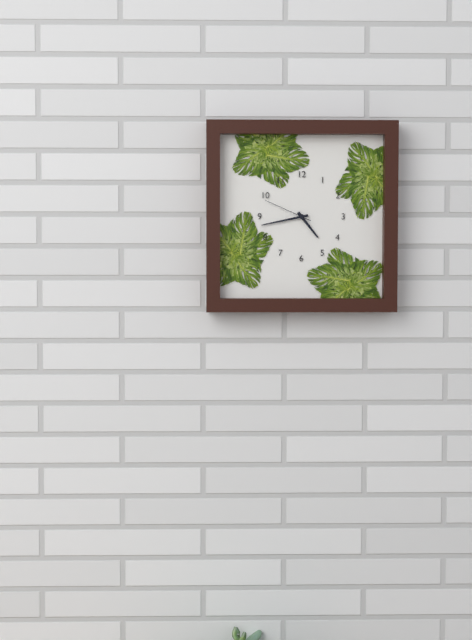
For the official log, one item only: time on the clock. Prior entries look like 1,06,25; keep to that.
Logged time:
4,43,49
